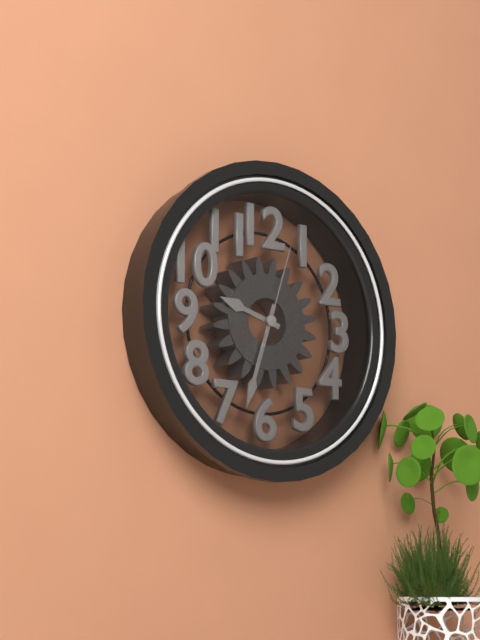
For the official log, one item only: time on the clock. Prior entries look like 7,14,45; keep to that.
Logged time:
9,33,03
